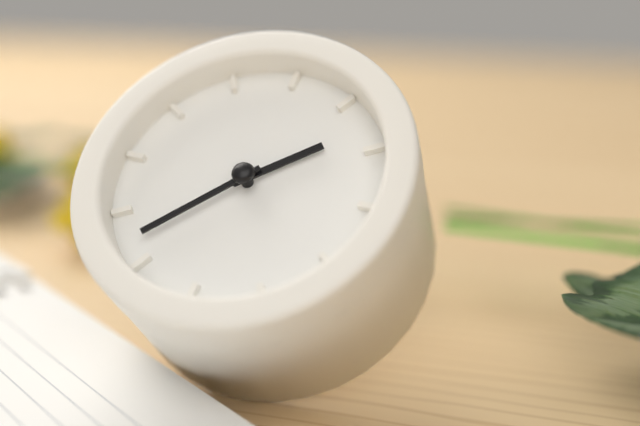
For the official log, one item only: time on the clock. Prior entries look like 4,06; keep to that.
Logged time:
1,37
